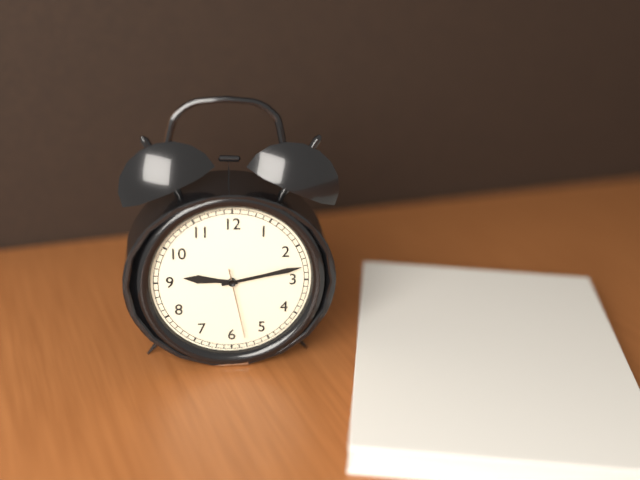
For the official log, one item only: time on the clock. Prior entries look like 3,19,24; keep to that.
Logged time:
9,13,28
